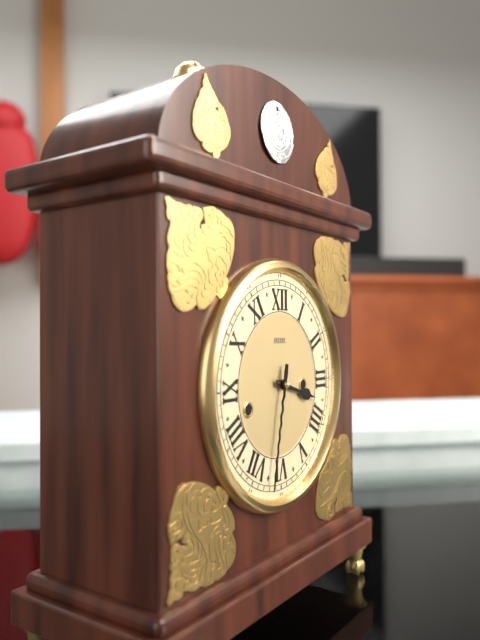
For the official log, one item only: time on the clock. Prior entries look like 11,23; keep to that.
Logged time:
3,32
